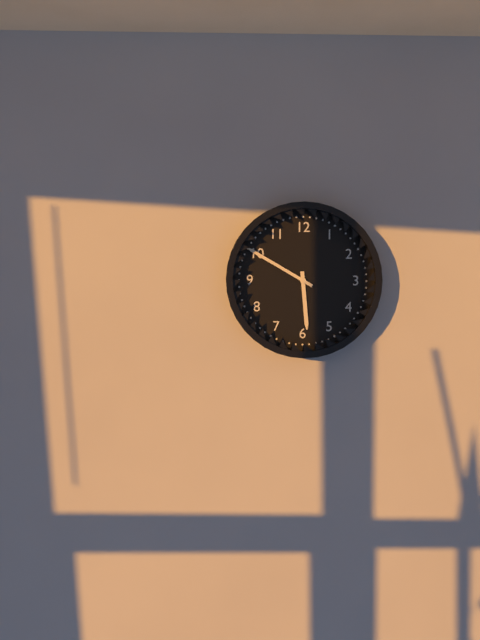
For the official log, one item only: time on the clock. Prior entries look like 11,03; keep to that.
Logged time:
5,50
